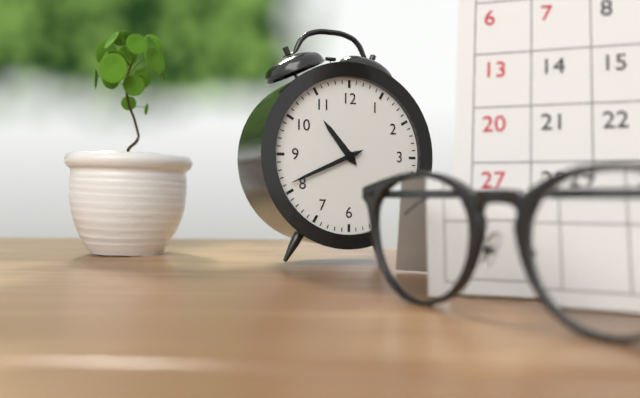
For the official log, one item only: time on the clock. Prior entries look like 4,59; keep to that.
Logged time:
10,41
